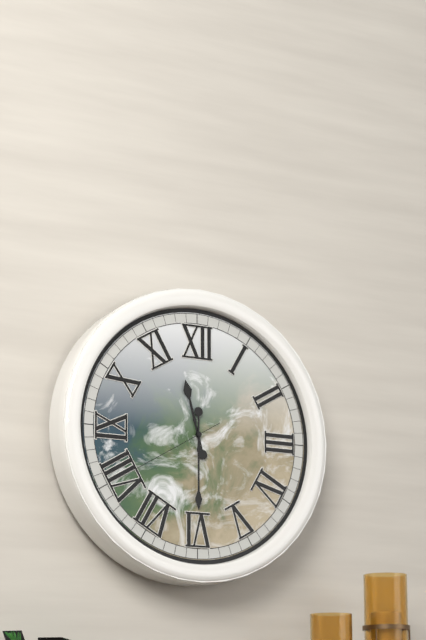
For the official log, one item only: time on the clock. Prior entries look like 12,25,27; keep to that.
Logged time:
11,30,40
